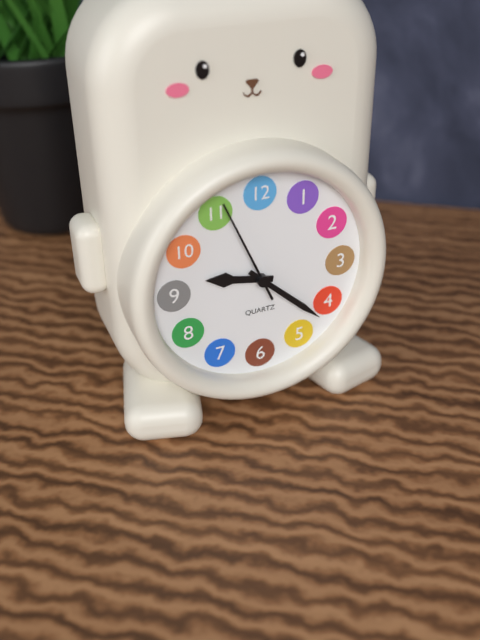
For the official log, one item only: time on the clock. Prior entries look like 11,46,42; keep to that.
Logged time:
9,22,56
